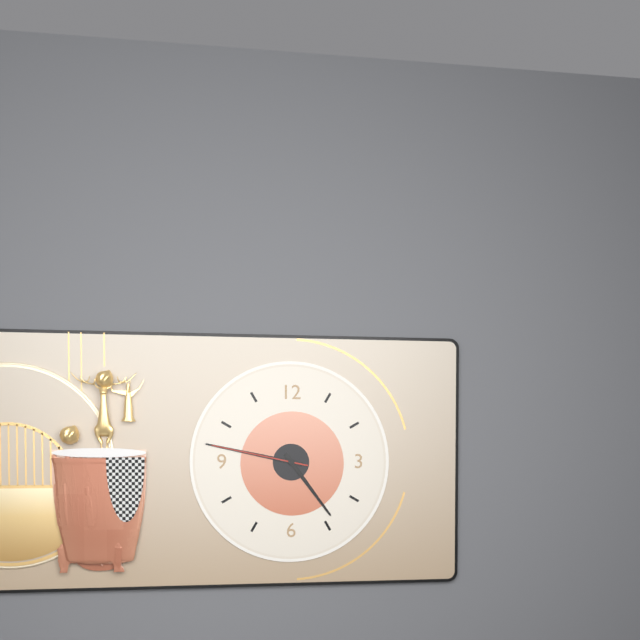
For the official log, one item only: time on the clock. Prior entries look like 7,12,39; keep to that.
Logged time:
4,47,47
